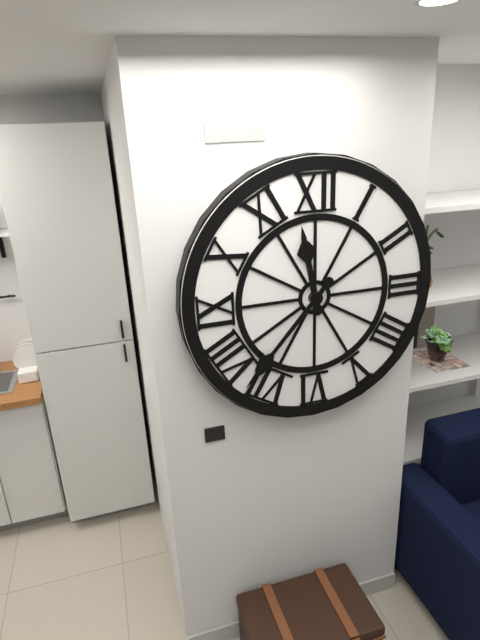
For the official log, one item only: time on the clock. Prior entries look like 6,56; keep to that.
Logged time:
11,37
